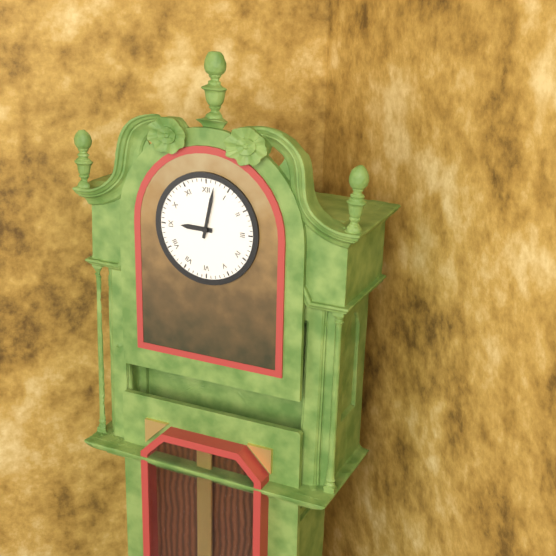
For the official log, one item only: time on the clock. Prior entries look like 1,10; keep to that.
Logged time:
9,02
